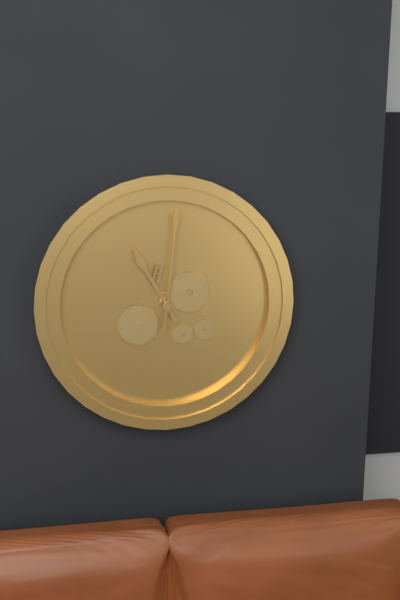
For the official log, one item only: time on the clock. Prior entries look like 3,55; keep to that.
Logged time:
11,01
